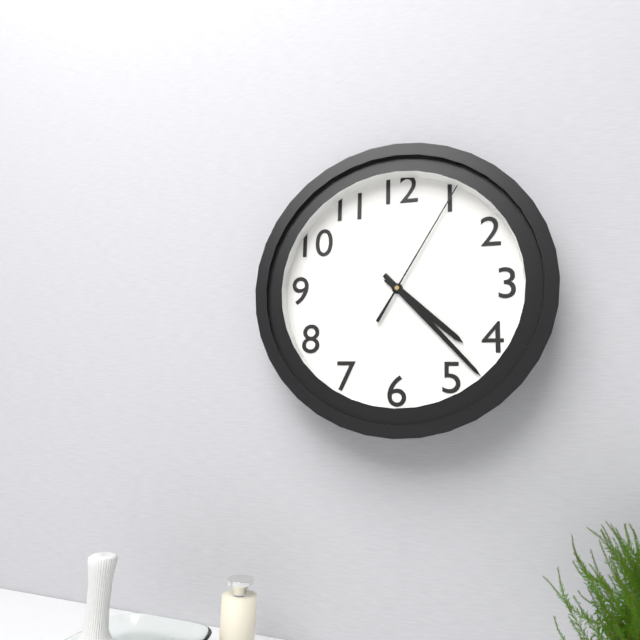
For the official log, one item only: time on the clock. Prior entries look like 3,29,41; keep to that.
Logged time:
4,23,05
